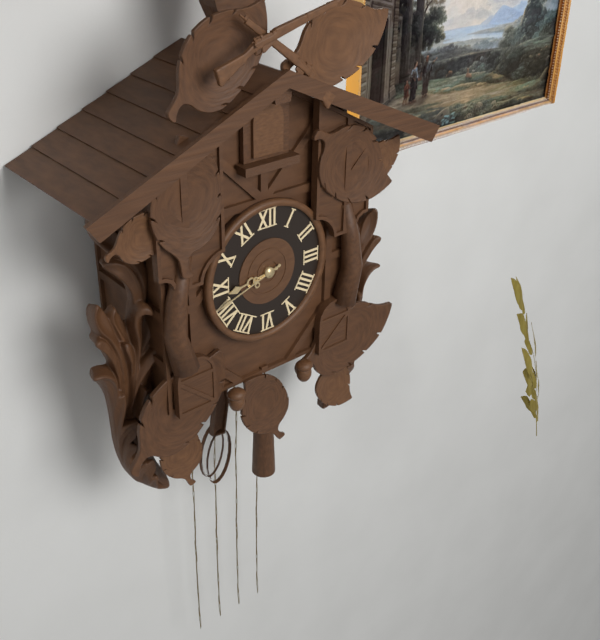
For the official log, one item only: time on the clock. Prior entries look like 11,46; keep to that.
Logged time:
8,42
